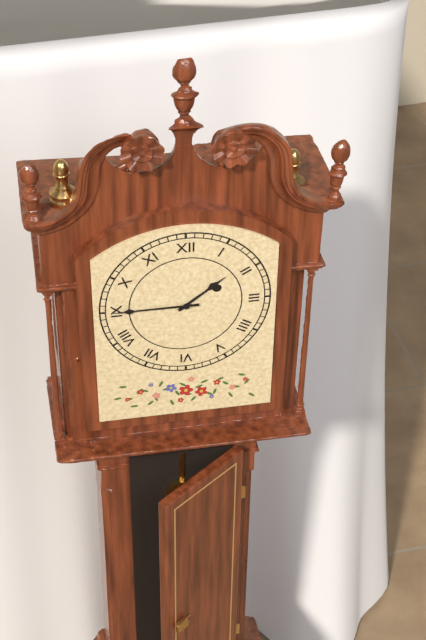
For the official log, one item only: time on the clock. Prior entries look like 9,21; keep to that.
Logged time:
1,45
